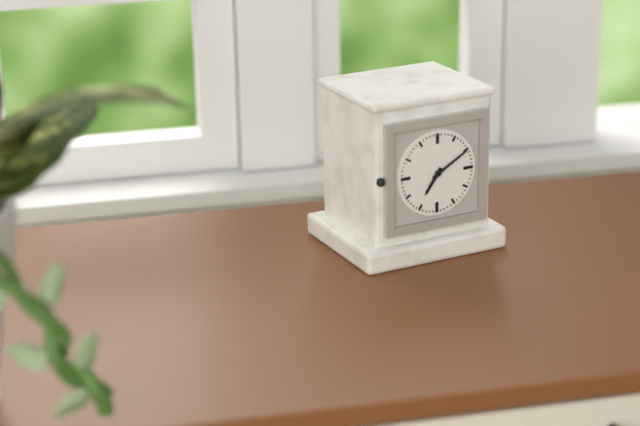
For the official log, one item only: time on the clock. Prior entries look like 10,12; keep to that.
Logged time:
7,10
